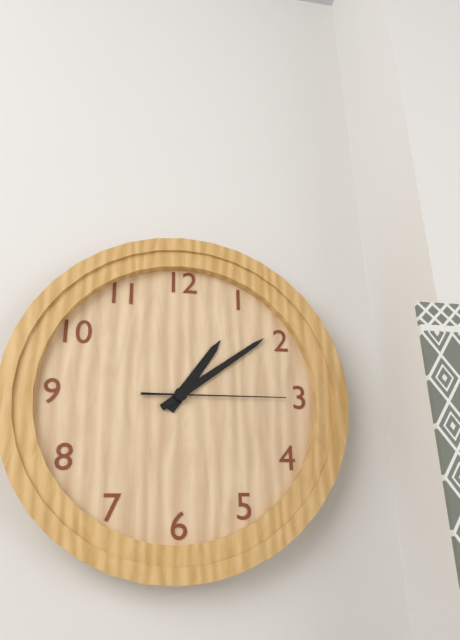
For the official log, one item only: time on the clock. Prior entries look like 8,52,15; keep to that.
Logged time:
1,09,15
